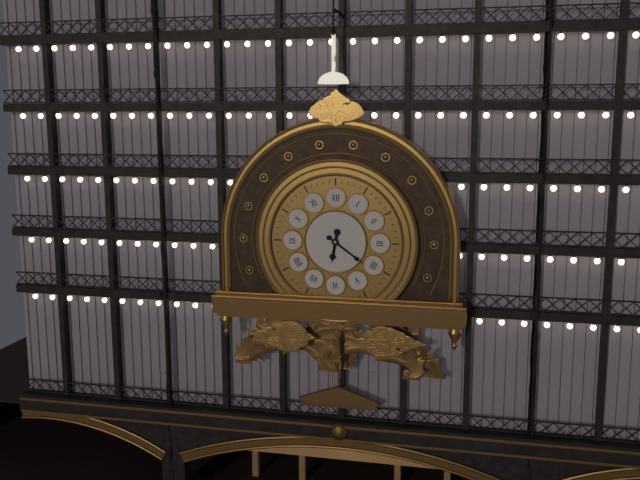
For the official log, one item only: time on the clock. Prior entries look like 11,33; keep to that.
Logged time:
6,21
